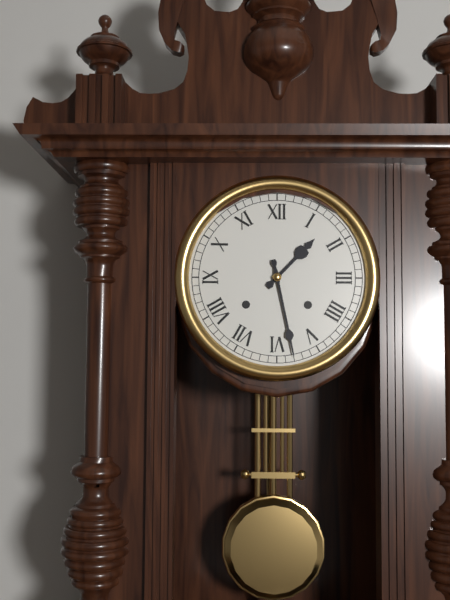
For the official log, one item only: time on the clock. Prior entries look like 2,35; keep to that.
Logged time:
1,28
